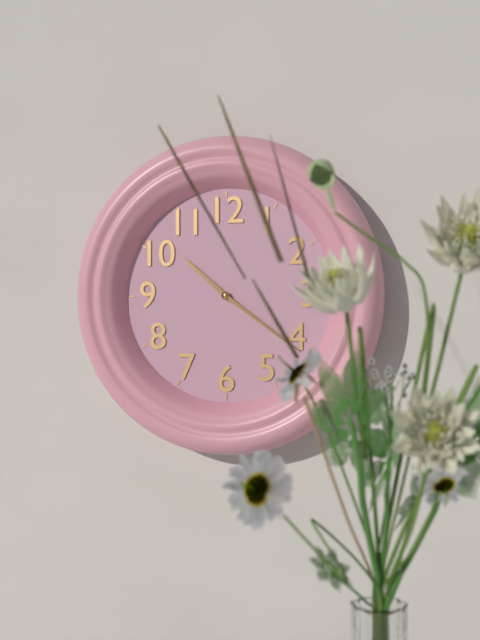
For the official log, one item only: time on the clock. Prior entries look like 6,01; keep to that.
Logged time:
10,21
